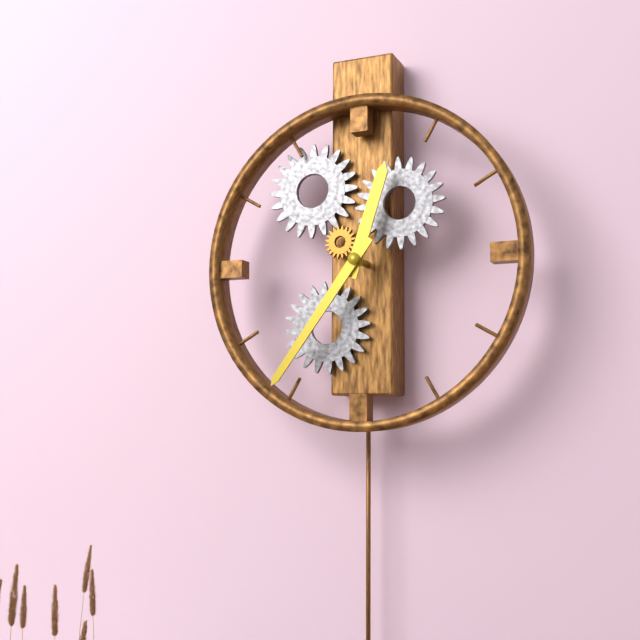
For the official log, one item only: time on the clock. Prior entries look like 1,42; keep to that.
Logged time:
12,36
